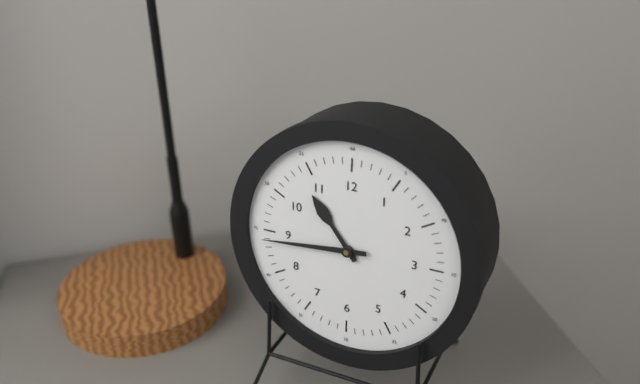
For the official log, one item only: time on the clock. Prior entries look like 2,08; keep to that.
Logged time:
10,44
